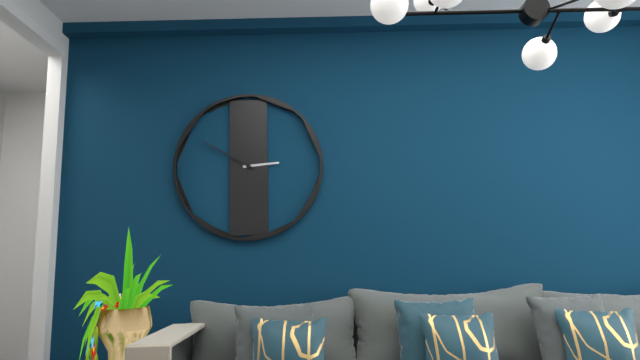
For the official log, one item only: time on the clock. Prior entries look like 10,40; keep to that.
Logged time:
2,50
